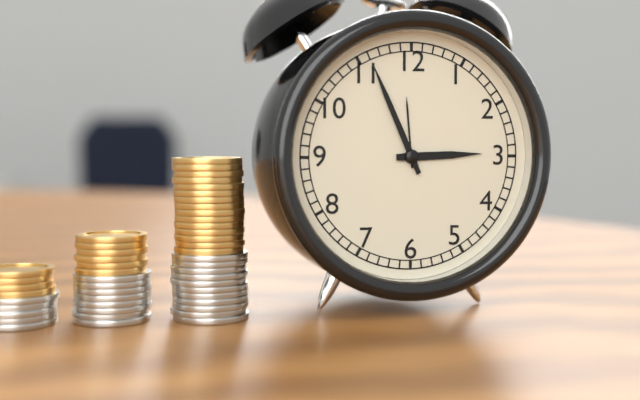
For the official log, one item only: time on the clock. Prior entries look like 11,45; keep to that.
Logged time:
2,56
